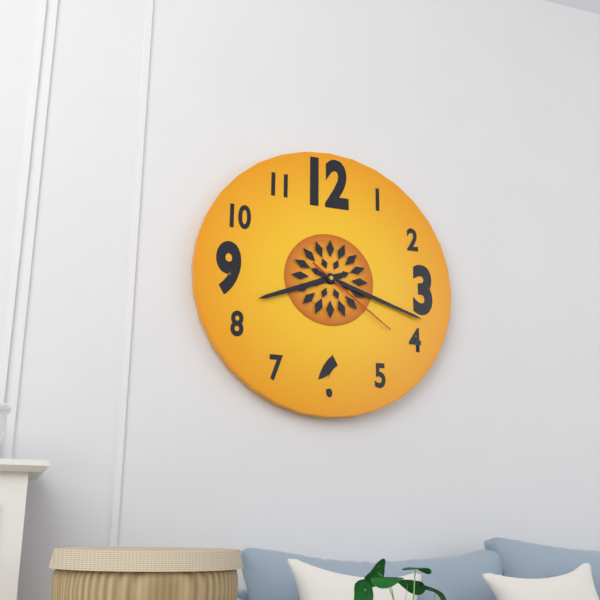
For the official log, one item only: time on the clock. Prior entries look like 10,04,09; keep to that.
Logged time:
8,18,21
